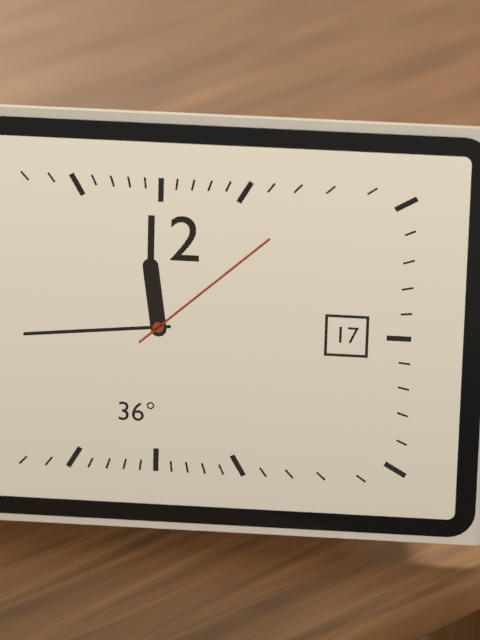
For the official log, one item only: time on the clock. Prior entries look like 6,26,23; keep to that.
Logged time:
11,44,08
